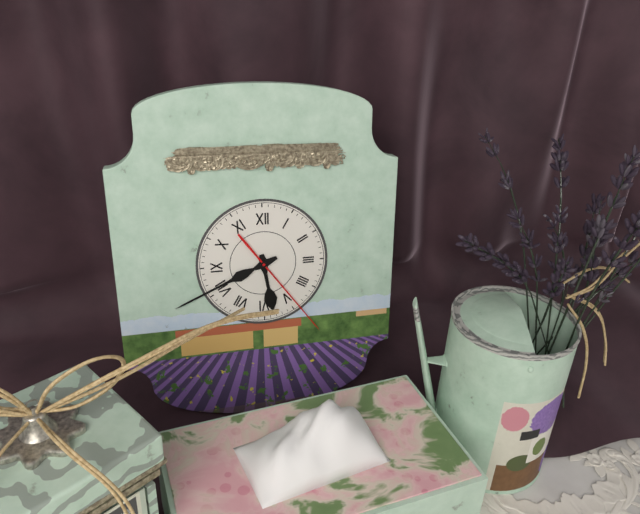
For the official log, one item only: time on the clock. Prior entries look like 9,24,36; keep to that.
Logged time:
5,41,24
